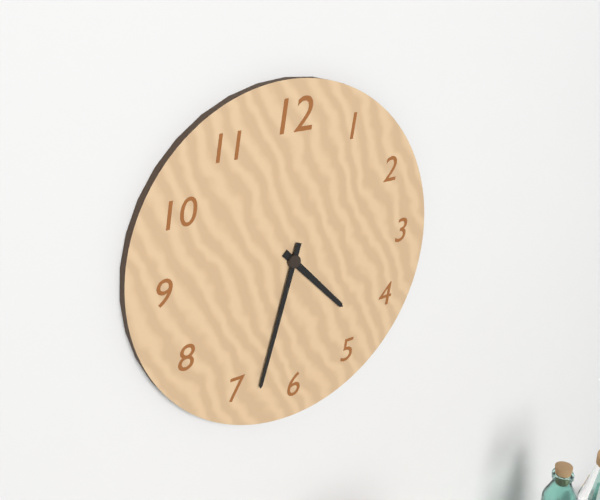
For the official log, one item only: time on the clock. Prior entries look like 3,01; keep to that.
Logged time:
4,33
